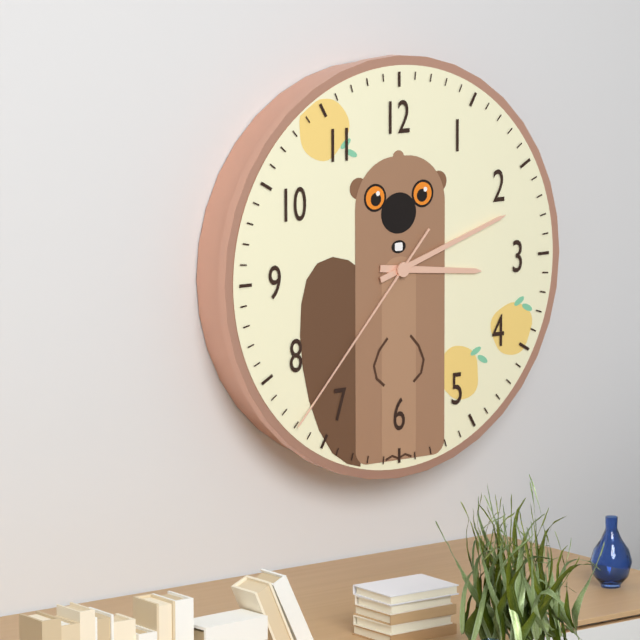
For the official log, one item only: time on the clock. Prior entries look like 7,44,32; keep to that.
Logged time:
3,12,37
